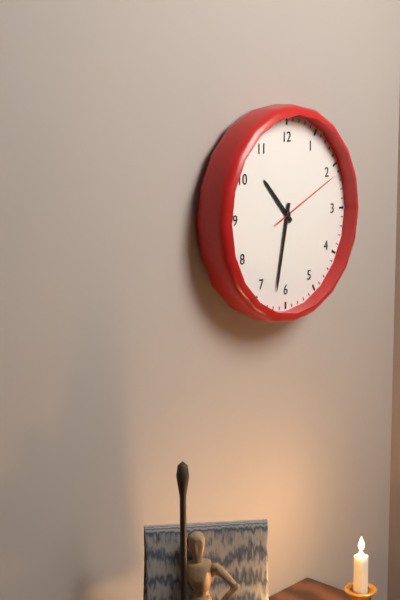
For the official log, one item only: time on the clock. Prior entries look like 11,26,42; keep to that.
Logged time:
10,32,11
